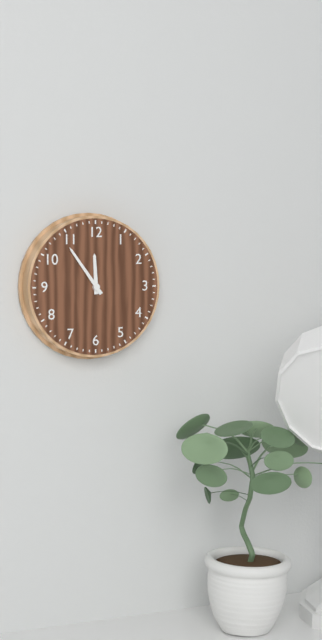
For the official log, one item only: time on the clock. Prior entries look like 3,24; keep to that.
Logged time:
11,54
